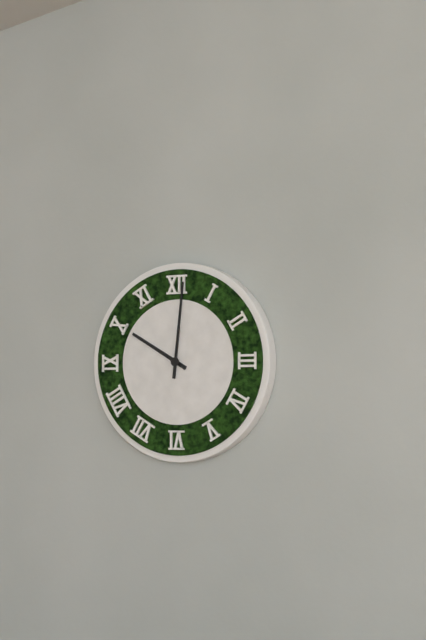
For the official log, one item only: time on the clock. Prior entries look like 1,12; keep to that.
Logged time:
10,01
